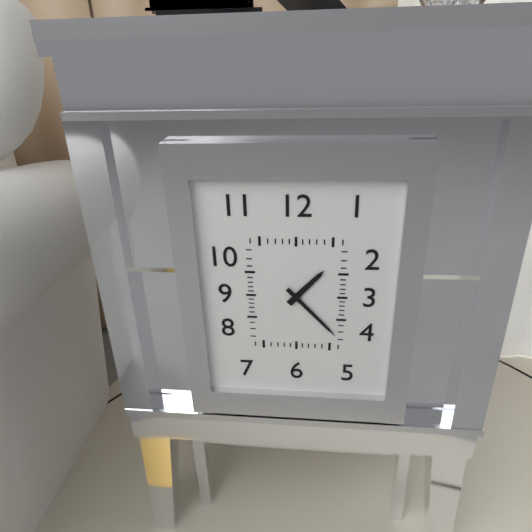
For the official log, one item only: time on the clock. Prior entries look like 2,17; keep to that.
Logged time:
1,23
